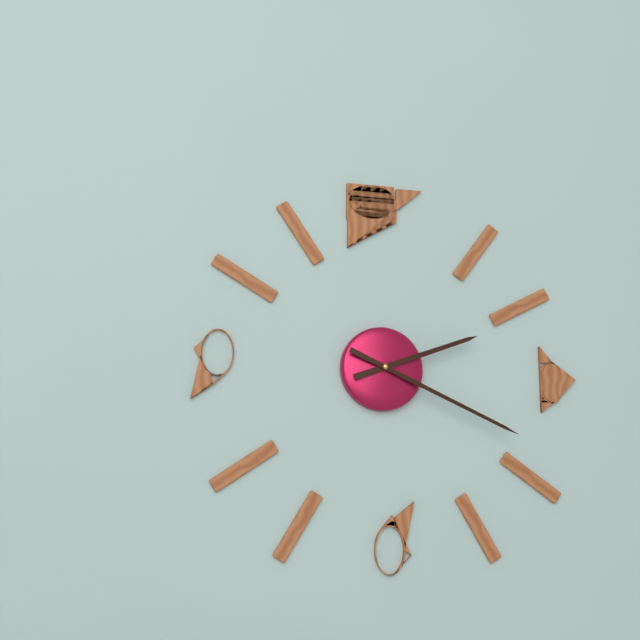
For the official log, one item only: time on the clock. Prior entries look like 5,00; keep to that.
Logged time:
2,19
